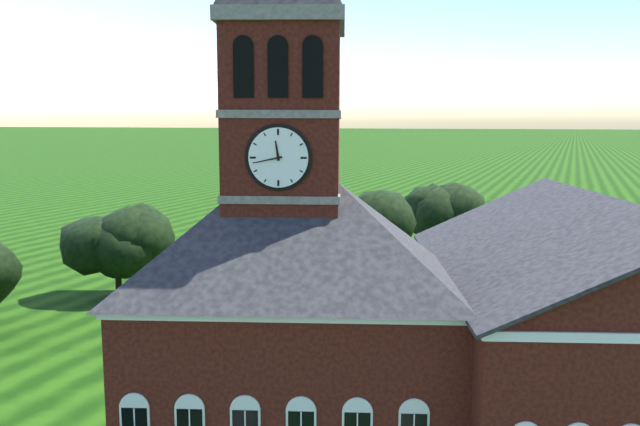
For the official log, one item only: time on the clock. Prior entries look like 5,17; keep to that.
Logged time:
11,43
